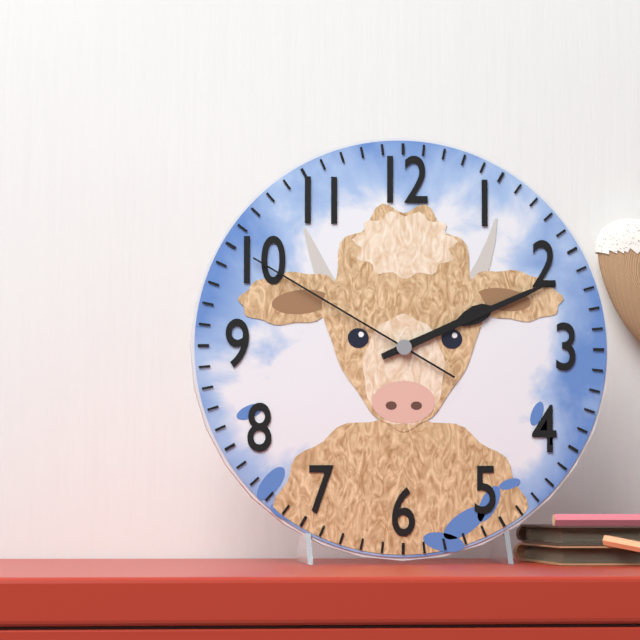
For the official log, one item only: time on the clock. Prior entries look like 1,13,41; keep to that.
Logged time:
2,11,50
